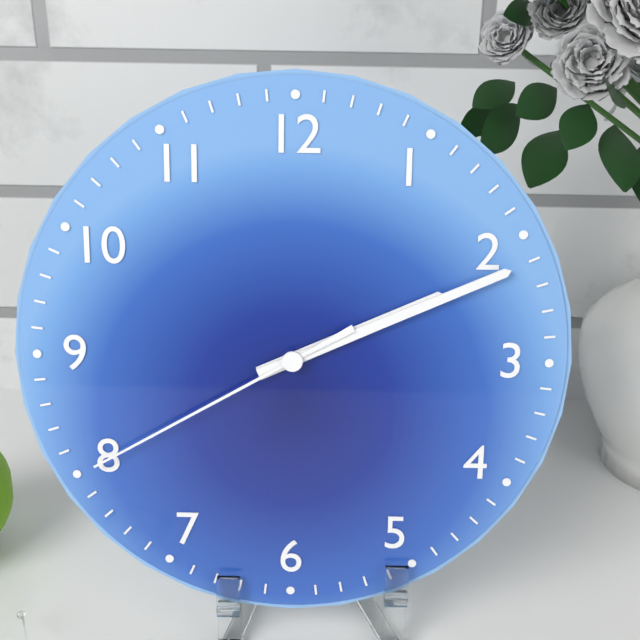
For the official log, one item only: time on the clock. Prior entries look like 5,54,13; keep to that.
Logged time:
2,11,40
